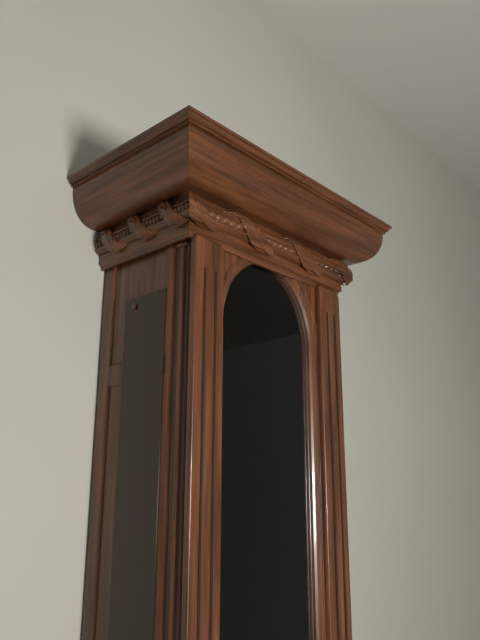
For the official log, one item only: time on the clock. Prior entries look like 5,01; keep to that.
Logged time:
5,40
